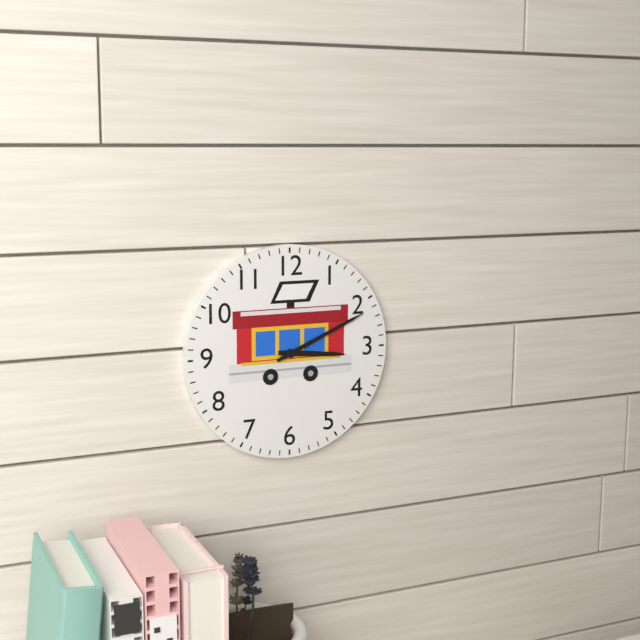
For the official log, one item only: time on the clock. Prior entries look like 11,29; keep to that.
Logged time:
3,11
